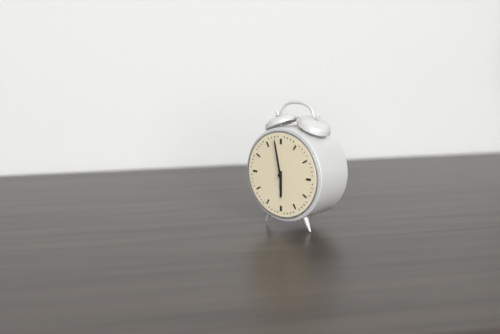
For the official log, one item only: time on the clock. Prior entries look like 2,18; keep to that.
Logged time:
5,58
